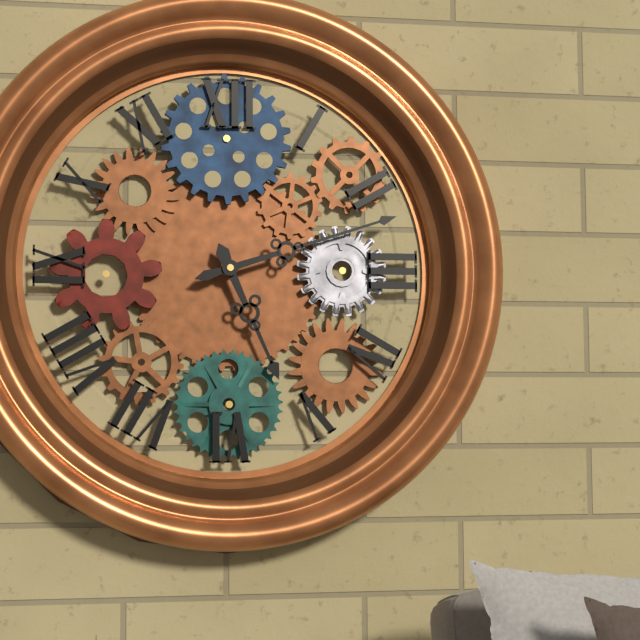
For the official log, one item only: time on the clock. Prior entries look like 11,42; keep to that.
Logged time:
5,12
